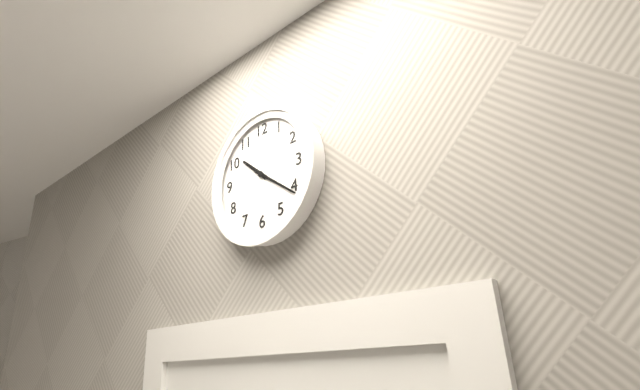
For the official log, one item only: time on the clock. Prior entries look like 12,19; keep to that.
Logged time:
10,21
